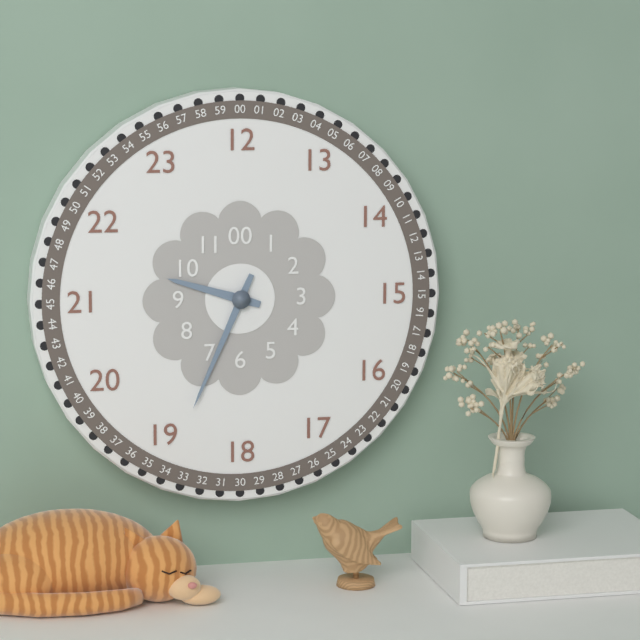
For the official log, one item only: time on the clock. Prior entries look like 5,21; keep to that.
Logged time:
9,34
